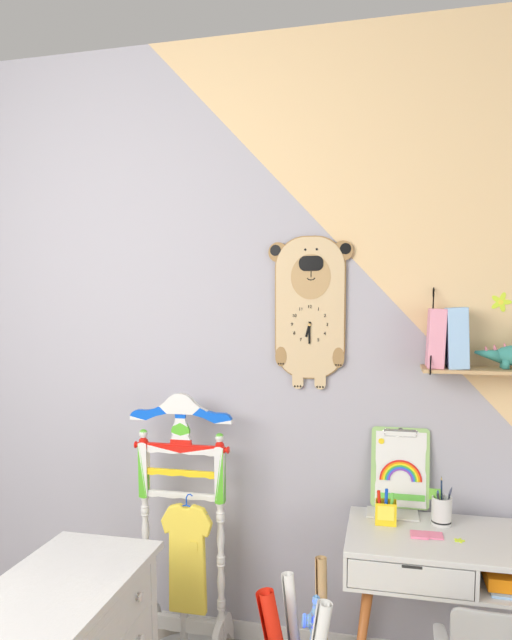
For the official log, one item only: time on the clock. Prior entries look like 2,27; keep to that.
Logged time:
6,30
